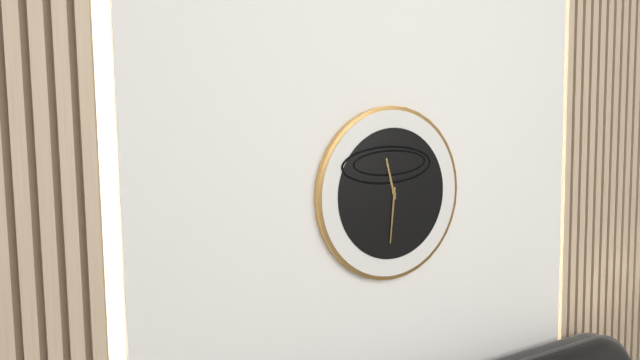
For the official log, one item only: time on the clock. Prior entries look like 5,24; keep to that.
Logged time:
11,31
